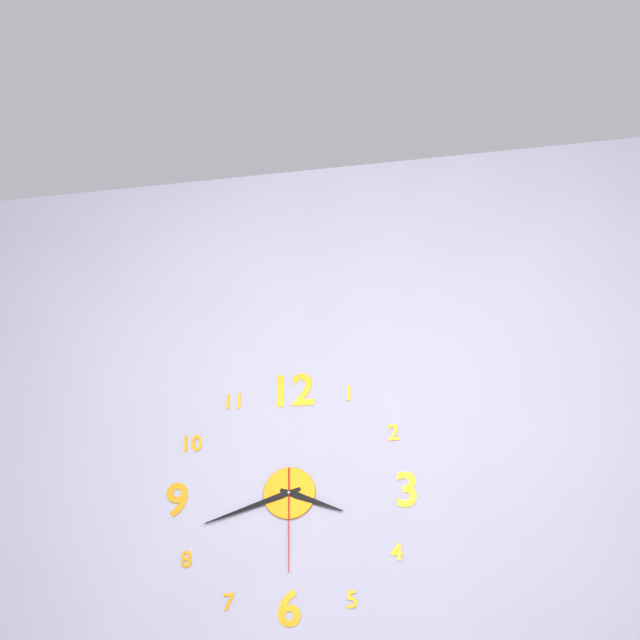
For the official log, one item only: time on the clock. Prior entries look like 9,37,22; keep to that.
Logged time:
3,42,30
